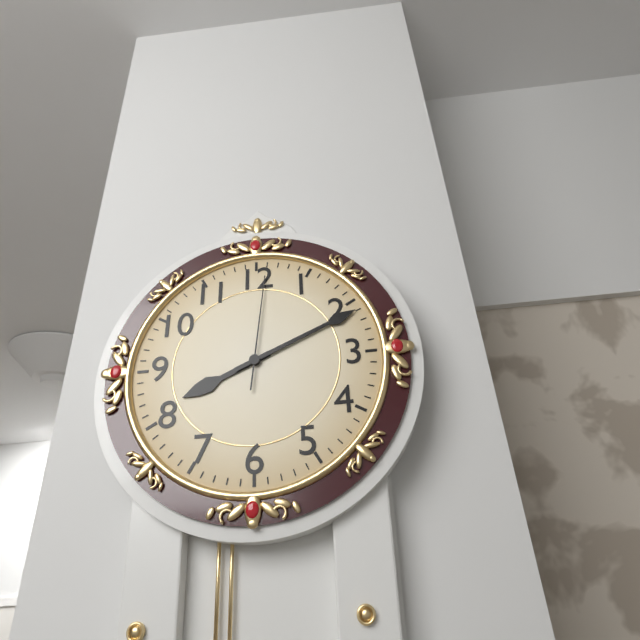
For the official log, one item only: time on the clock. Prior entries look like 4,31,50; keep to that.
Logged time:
8,11,01
